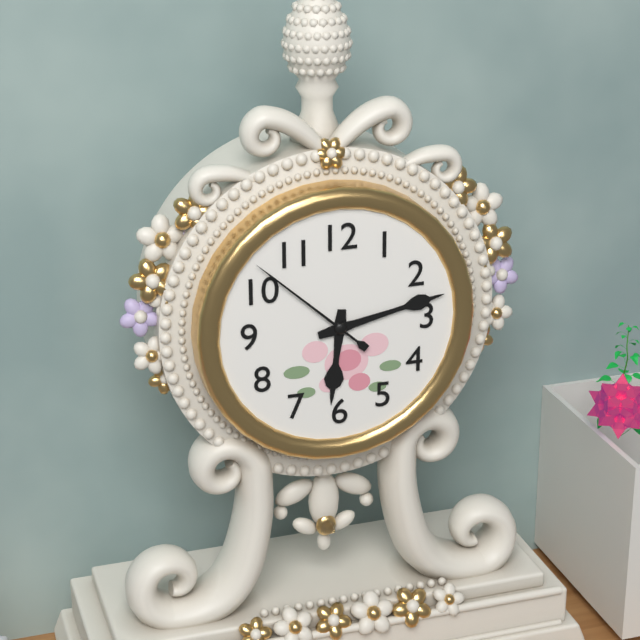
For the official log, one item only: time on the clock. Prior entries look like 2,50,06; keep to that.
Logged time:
6,13,52
